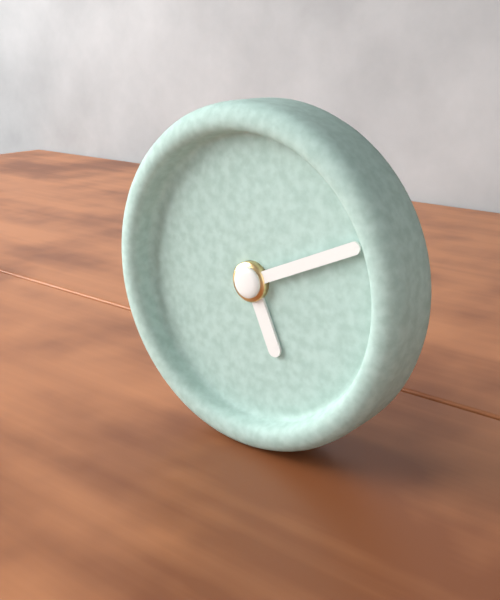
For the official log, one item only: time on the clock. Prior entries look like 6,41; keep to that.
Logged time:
5,11
